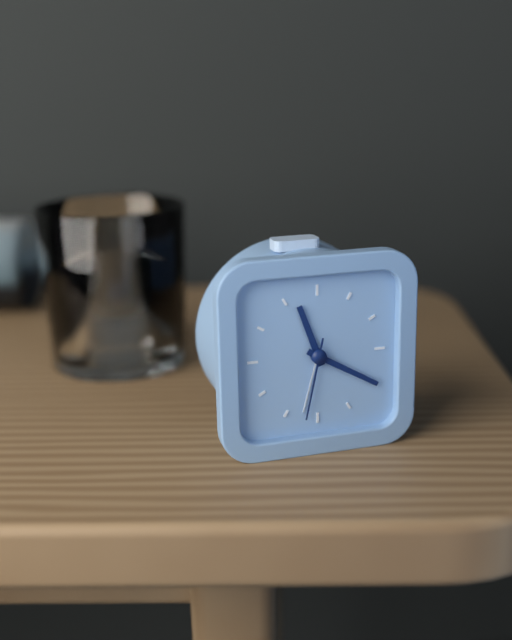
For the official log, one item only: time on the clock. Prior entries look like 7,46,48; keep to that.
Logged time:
11,20,32
